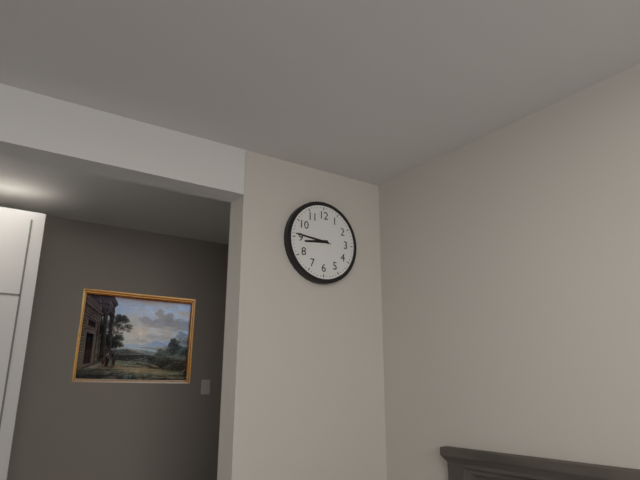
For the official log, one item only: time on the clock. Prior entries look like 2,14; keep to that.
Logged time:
8,46
